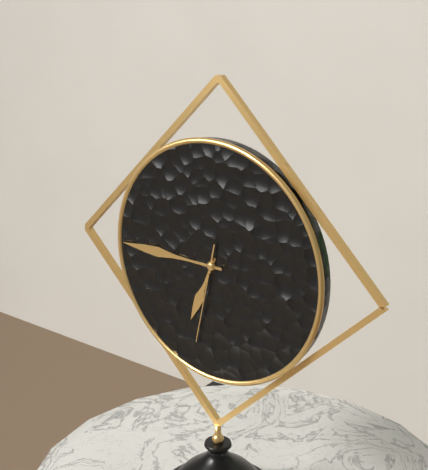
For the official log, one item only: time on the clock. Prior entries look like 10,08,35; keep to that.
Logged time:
6,45,32
